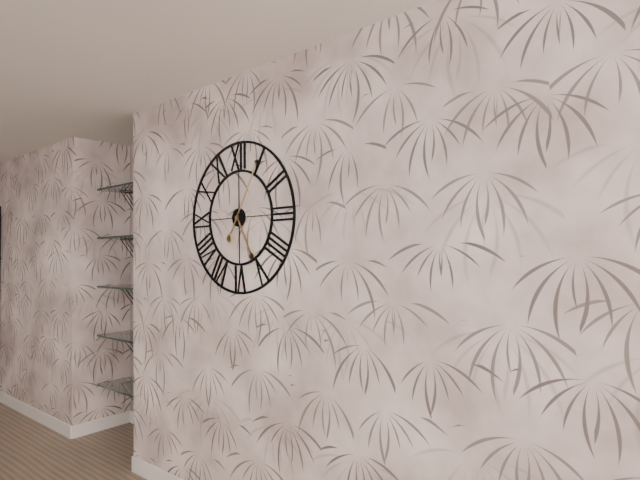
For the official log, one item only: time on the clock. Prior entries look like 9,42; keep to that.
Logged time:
5,05
